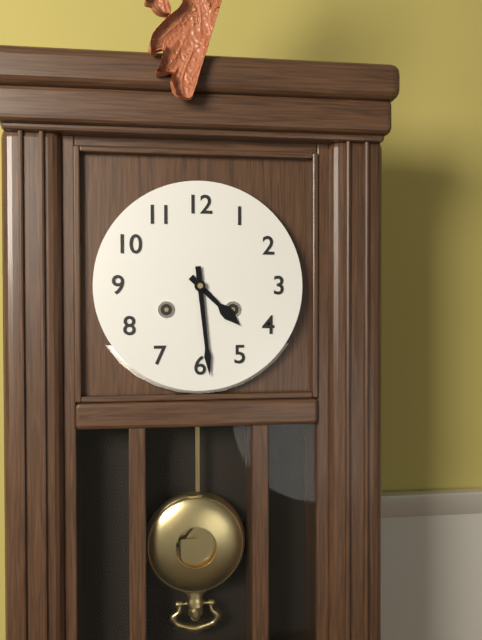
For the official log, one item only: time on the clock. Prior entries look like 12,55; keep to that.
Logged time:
4,29
